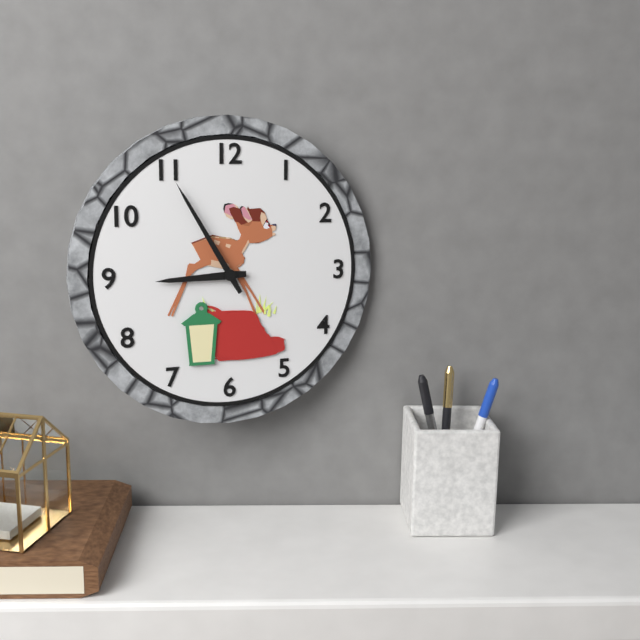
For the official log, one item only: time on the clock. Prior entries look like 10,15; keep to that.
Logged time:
8,55
